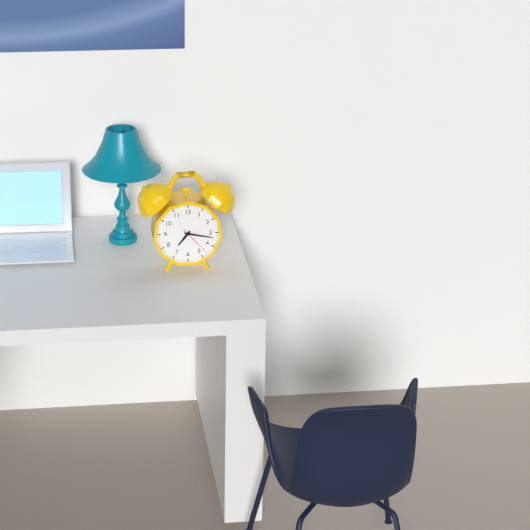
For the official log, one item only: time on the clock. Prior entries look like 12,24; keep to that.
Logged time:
7,17
